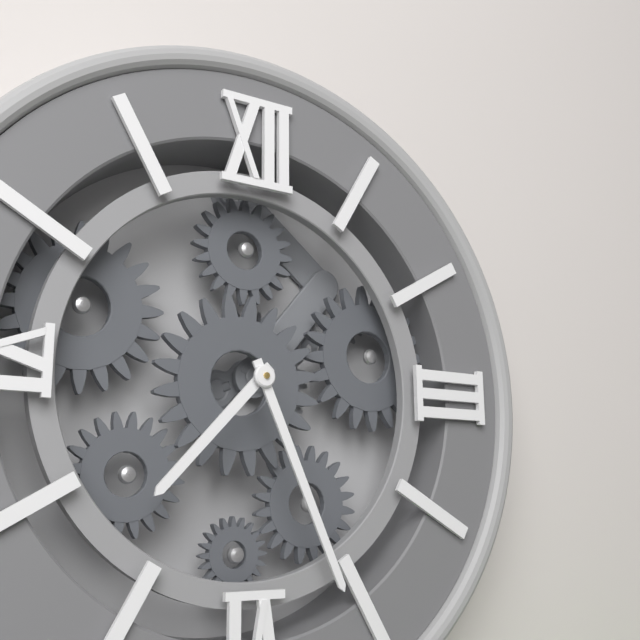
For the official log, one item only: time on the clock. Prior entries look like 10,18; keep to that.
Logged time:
7,26
